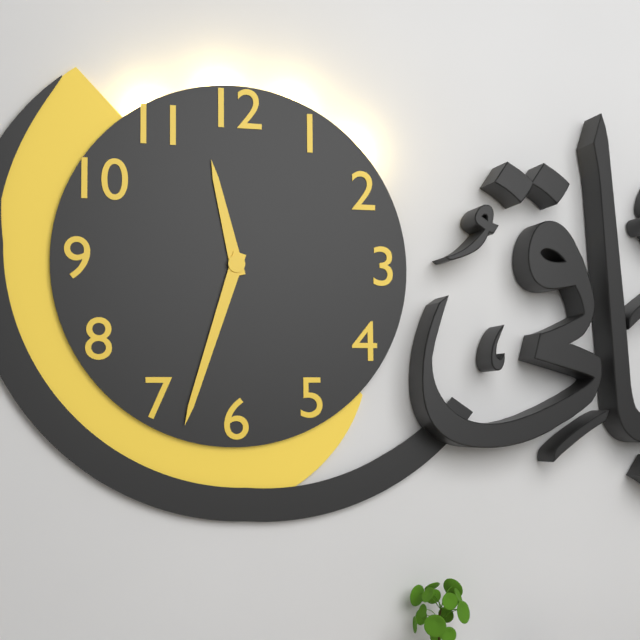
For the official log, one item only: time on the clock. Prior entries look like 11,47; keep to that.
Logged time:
11,33
